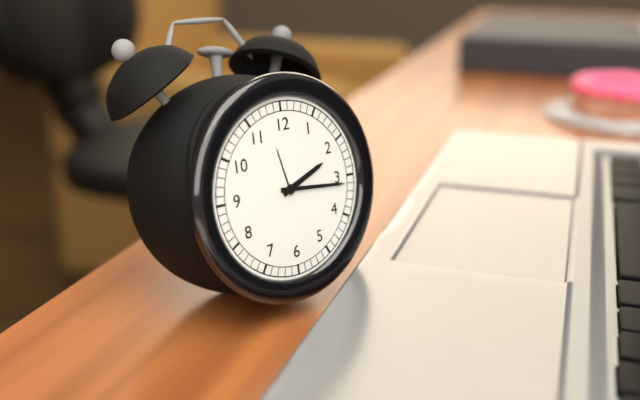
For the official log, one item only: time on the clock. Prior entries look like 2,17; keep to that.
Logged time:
2,16
